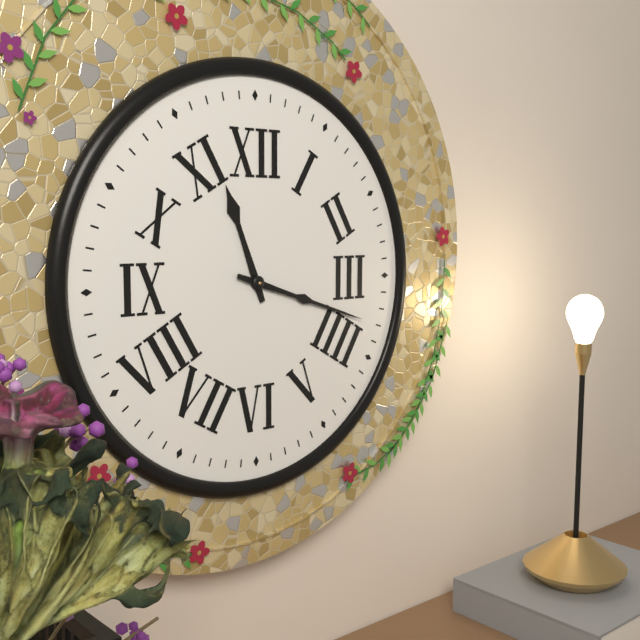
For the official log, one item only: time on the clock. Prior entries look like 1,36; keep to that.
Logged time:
11,18
